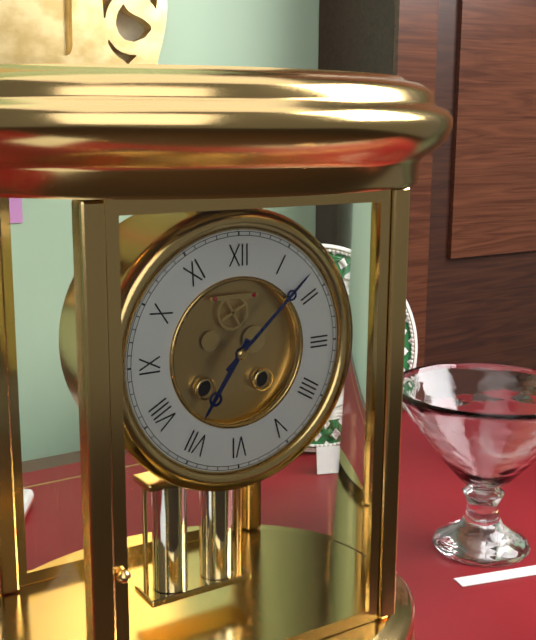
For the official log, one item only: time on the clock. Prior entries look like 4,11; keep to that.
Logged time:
7,08
